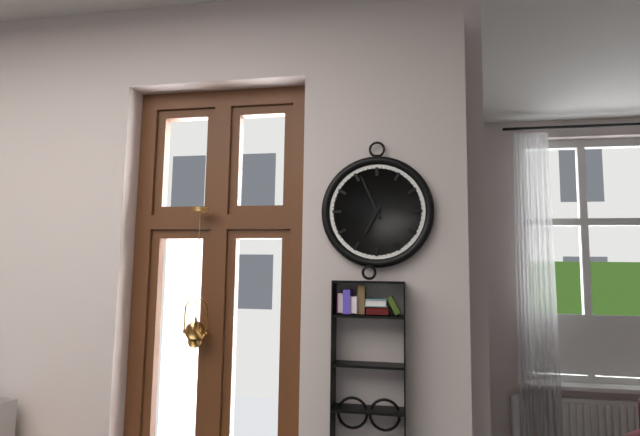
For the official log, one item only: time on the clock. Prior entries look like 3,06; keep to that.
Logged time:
6,56
